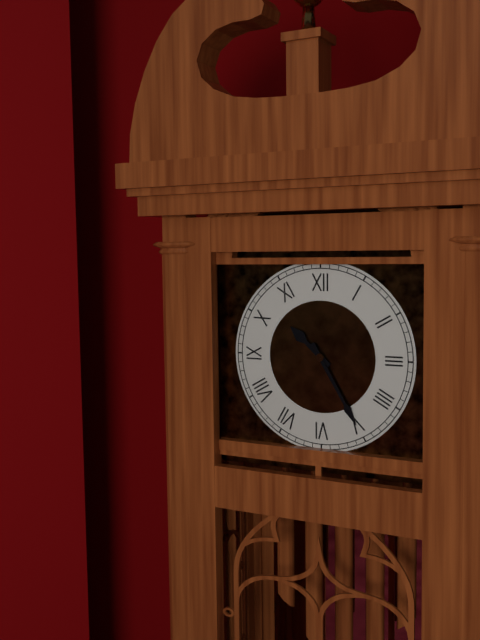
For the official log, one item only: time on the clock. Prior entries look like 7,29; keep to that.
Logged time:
10,25
